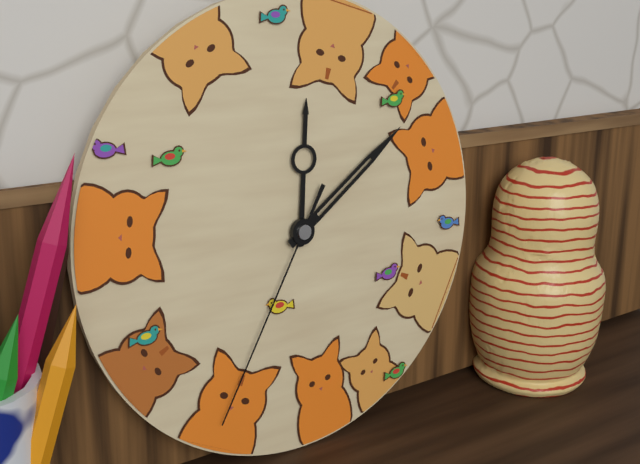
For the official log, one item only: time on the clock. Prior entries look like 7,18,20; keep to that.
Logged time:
12,09,35
